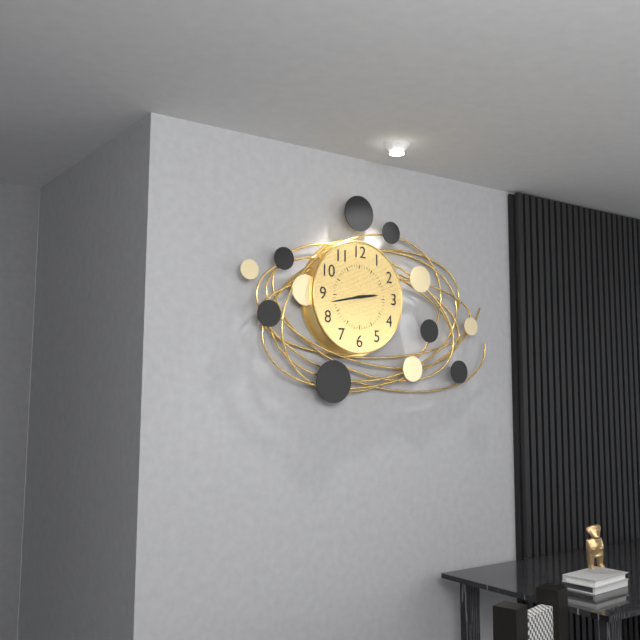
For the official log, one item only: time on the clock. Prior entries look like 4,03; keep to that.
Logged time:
2,43
